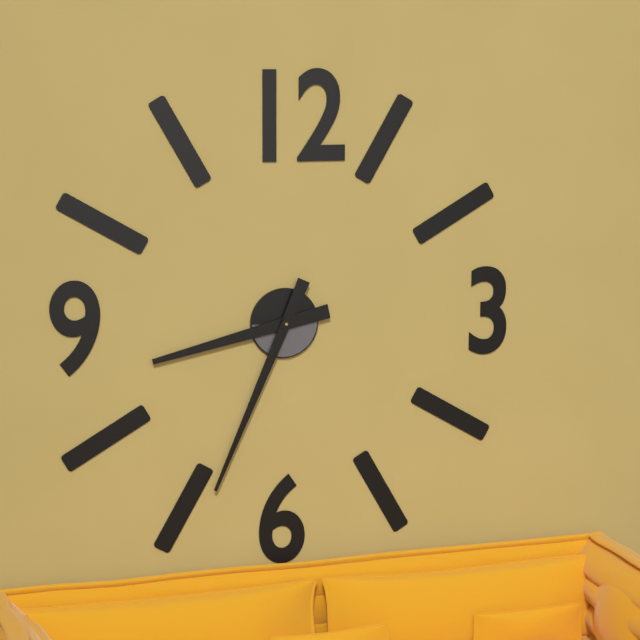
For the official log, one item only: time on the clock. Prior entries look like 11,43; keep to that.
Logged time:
8,34
